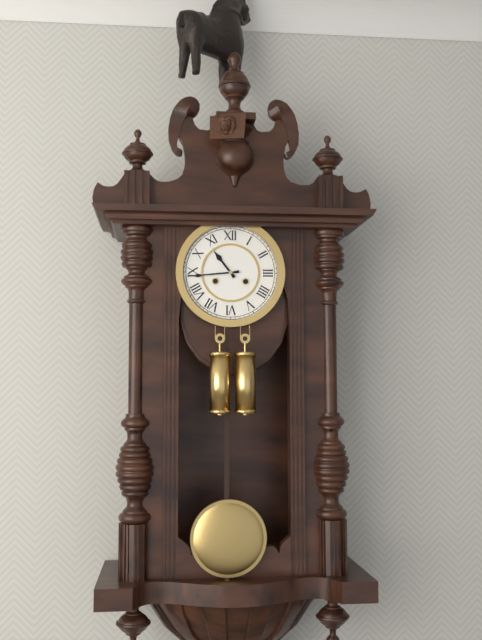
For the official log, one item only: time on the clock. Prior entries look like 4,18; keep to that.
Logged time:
10,44
